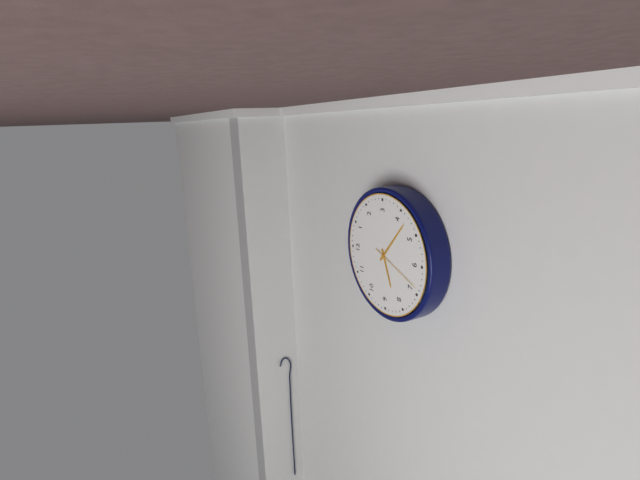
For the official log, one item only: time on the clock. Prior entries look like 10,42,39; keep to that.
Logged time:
8,22,34
